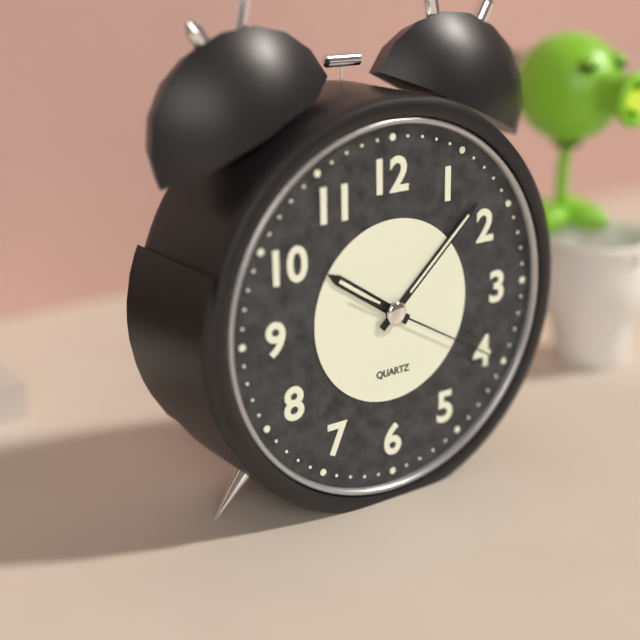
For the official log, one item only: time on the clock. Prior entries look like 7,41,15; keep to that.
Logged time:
10,08,20
